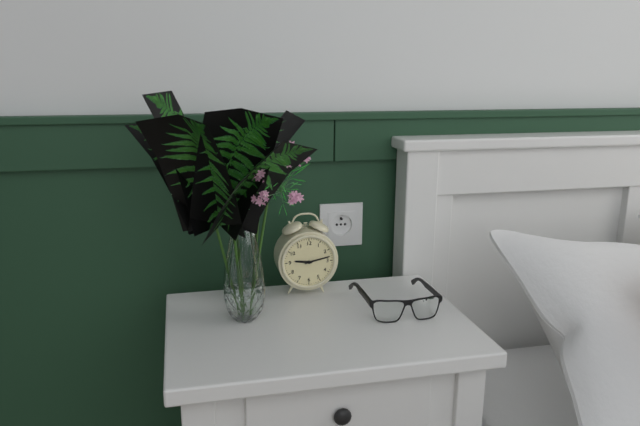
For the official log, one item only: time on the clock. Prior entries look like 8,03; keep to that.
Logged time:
9,13
